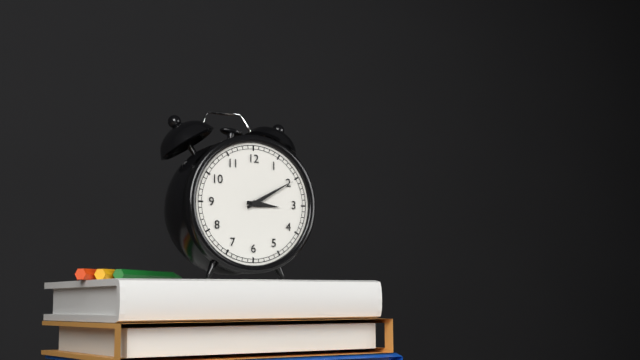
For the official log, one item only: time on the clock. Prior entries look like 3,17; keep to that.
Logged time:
3,10
